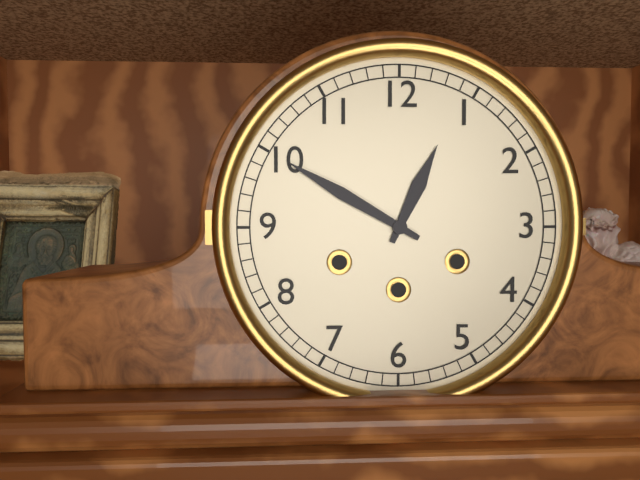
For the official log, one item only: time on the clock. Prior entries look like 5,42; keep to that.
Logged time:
12,50
